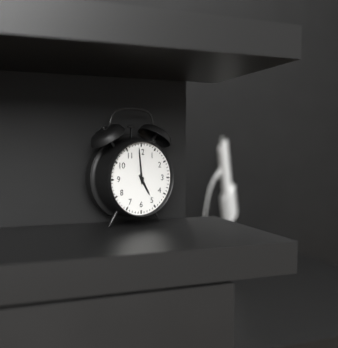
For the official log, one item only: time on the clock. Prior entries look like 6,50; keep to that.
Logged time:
4,59
